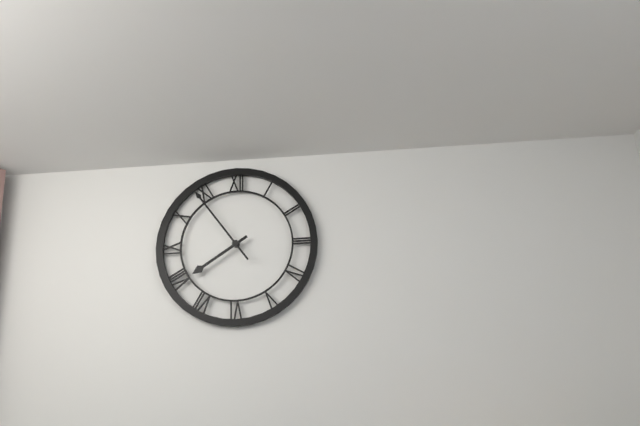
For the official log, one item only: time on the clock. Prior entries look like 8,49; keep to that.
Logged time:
7,54
